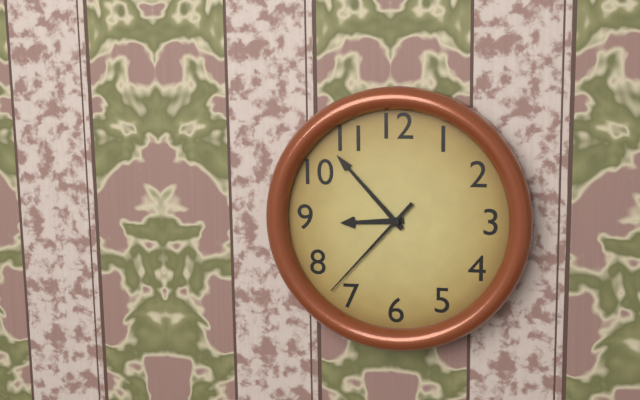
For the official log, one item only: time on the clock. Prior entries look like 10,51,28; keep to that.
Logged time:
8,53,37
